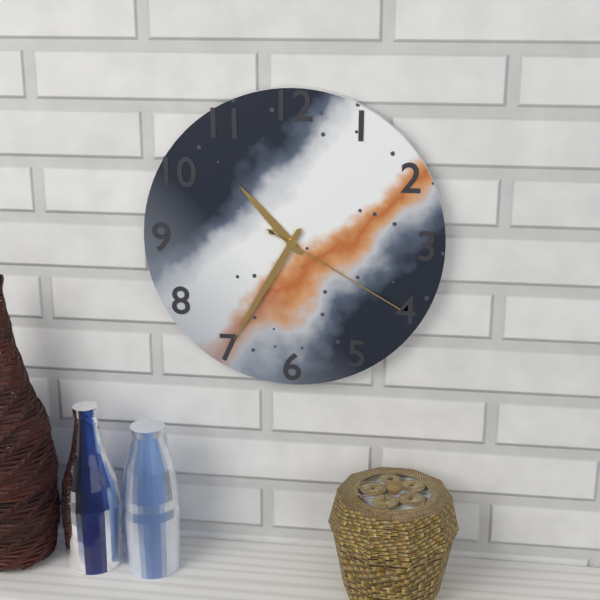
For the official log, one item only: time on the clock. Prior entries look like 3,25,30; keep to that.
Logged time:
10,35,20
